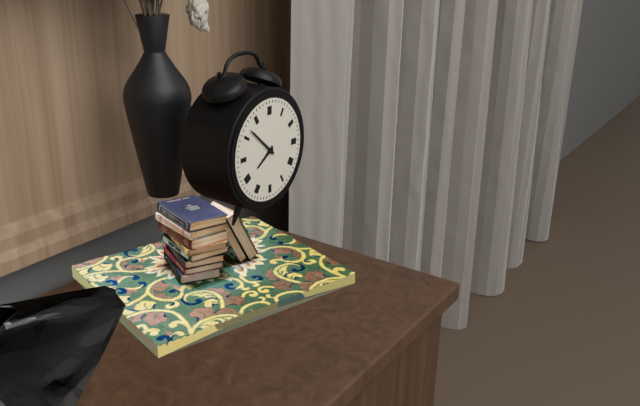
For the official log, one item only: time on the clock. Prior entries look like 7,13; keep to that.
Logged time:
7,52
